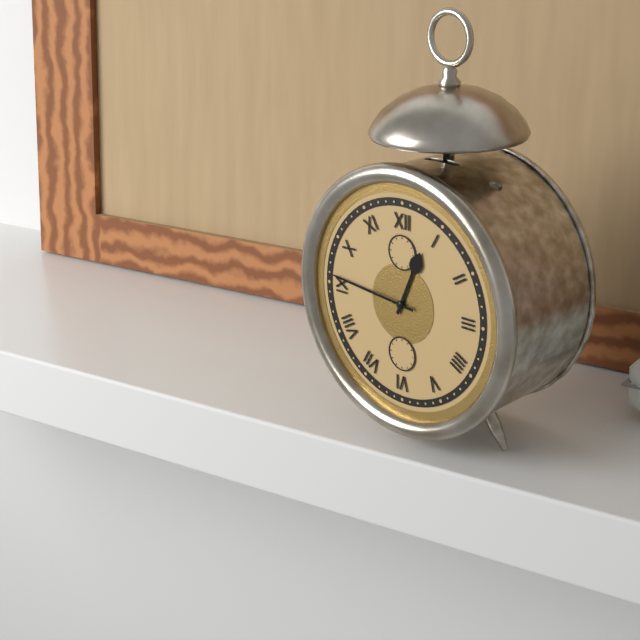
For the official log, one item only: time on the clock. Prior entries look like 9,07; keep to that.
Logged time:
12,46
